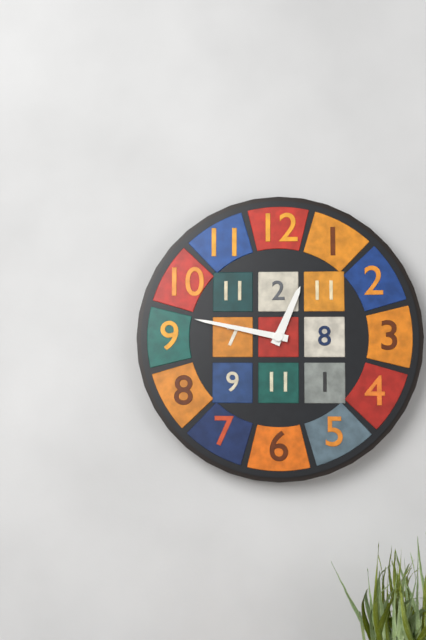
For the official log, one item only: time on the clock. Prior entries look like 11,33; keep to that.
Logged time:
12,47
